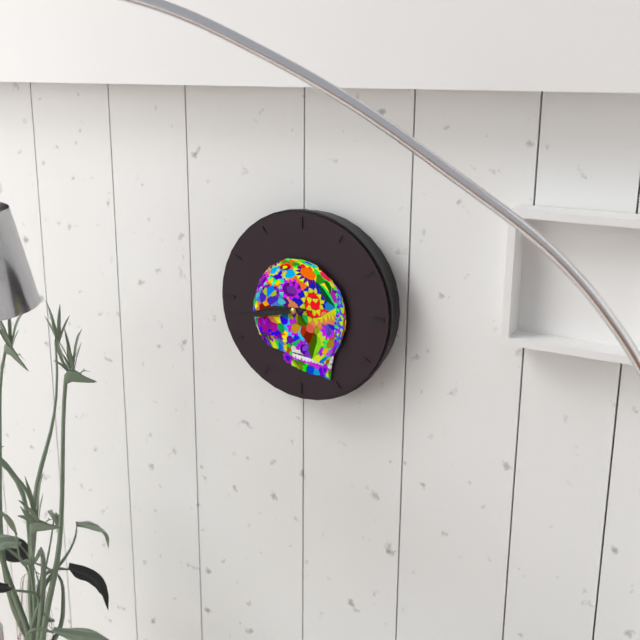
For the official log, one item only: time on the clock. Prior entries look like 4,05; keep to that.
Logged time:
8,43
